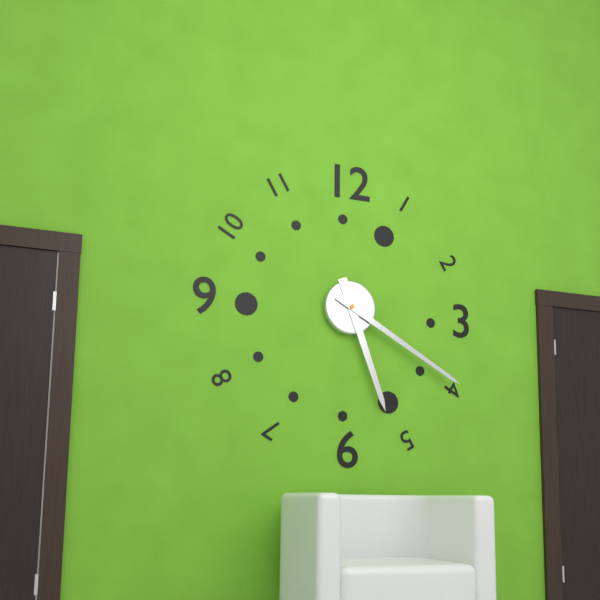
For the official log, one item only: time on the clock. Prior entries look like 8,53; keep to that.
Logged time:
5,20
